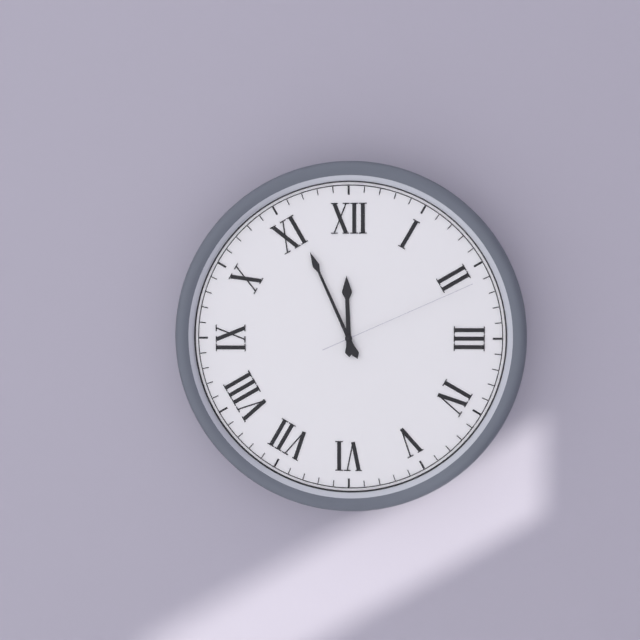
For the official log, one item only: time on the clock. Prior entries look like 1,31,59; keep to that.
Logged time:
11,56,11
